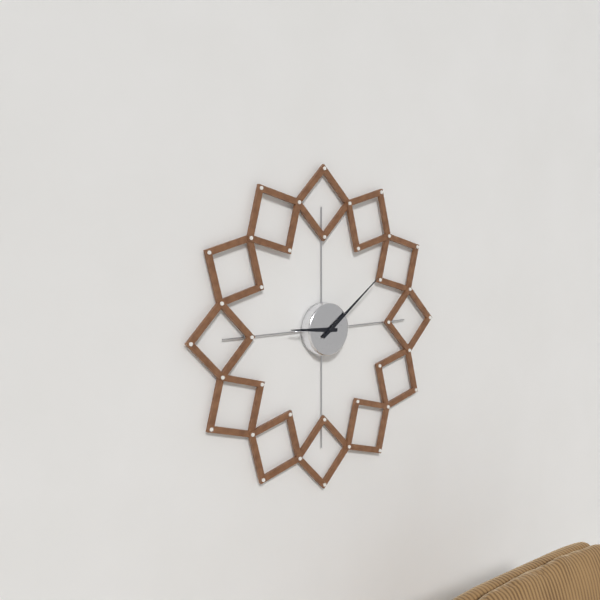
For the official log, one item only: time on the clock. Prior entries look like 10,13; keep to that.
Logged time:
9,09
